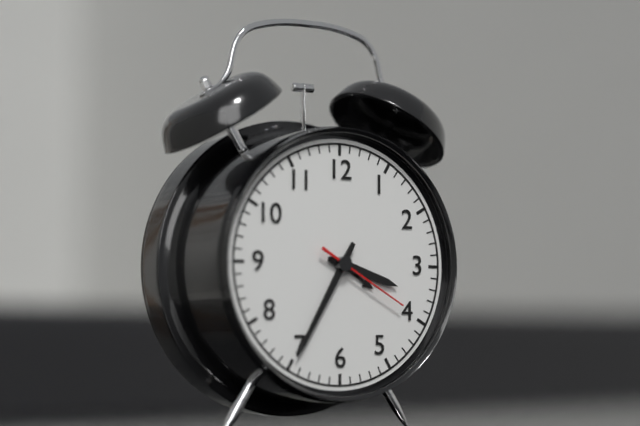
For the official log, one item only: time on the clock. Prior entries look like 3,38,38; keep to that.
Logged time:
3,35,20
